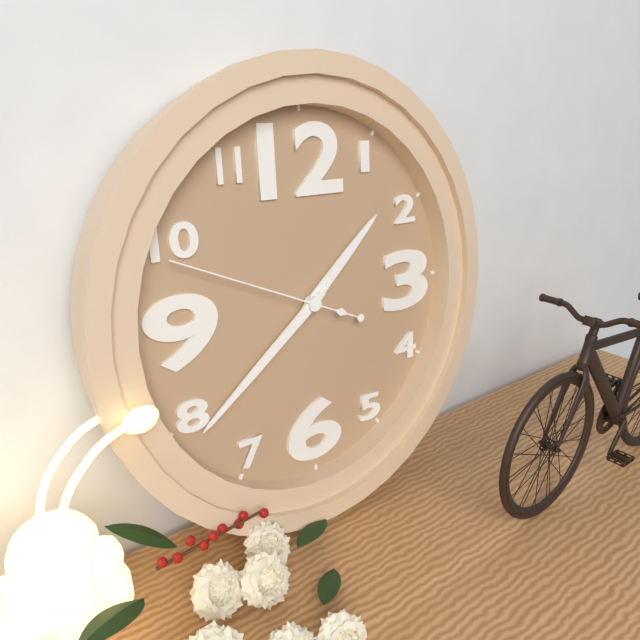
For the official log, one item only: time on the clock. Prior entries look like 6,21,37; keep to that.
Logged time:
1,39,49
